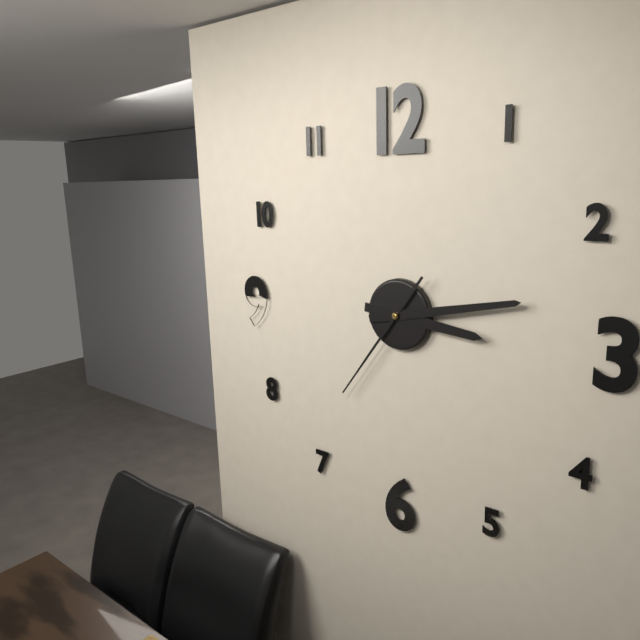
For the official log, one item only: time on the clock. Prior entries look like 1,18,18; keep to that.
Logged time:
3,13,36
